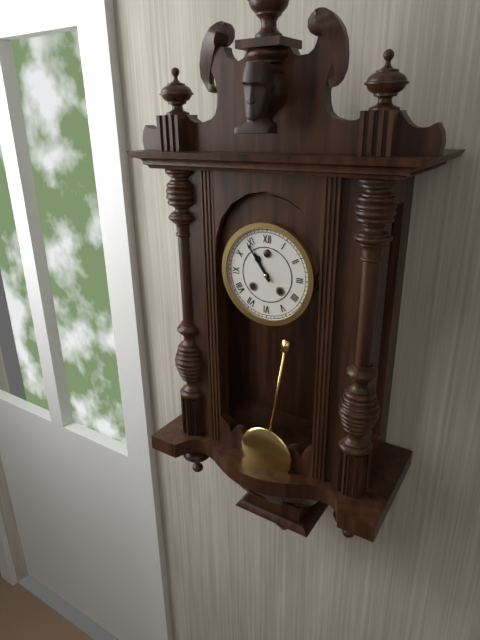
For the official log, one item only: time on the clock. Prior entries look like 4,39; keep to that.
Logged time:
10,54
